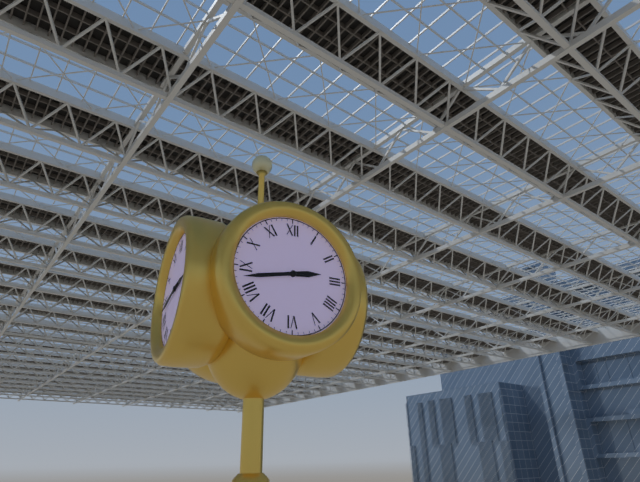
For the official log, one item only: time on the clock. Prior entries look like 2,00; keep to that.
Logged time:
2,43
